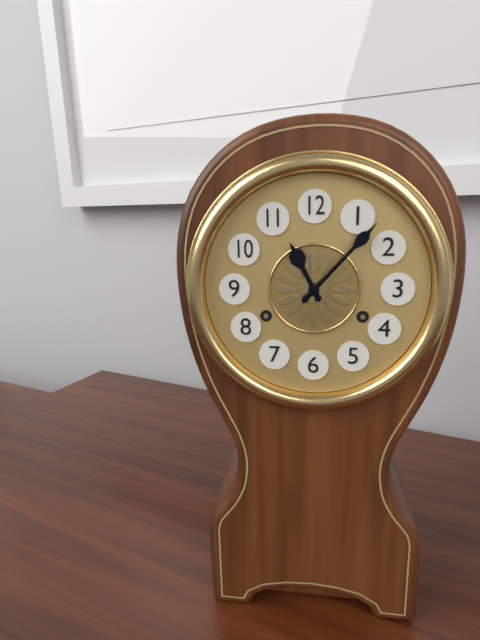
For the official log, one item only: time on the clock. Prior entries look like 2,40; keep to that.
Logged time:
11,07
